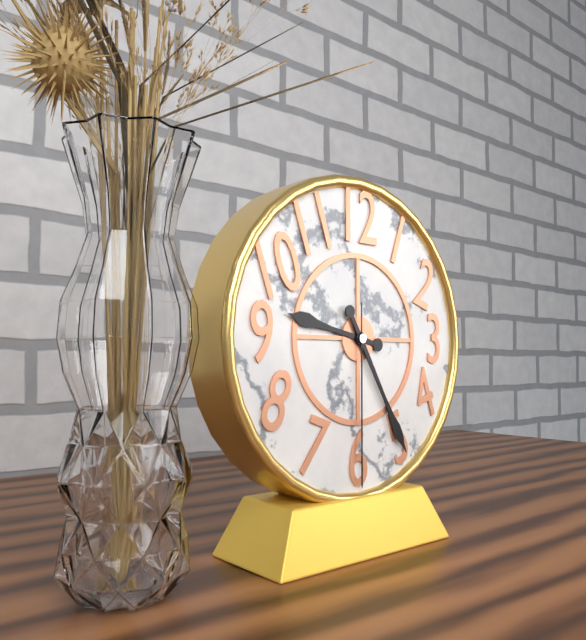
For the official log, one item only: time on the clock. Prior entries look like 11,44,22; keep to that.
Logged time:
9,25,30
